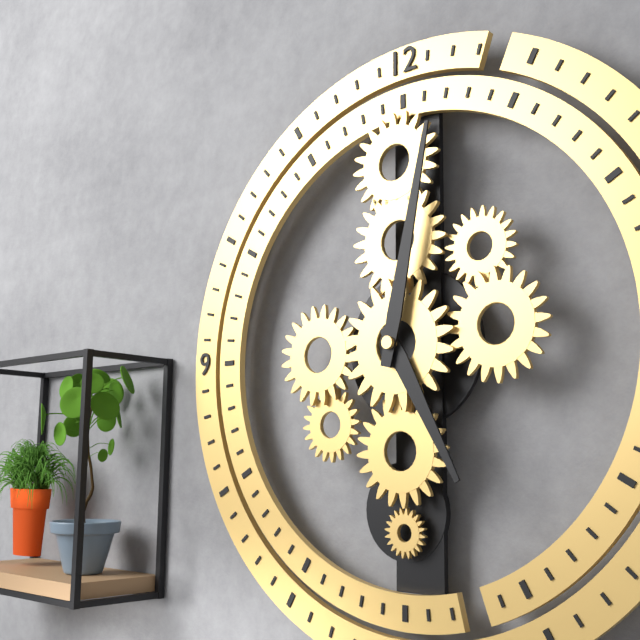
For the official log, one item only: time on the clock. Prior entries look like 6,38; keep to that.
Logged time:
5,02
